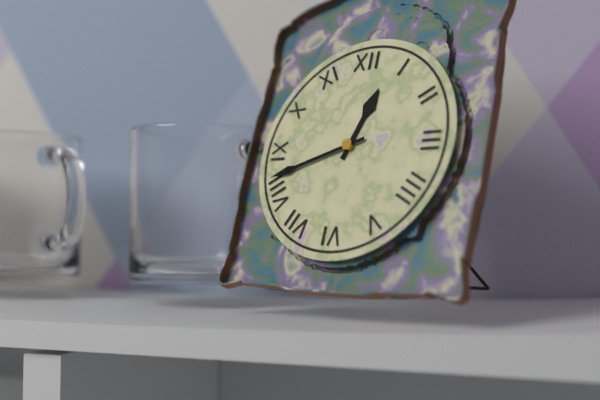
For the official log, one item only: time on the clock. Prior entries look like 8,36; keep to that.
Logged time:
12,42
